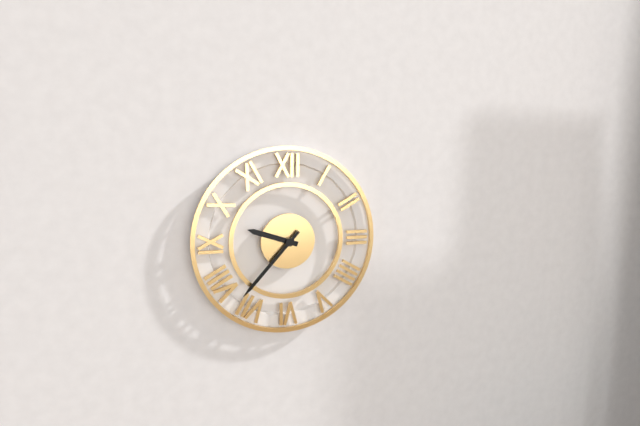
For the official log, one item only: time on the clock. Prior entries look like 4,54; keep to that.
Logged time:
9,37
